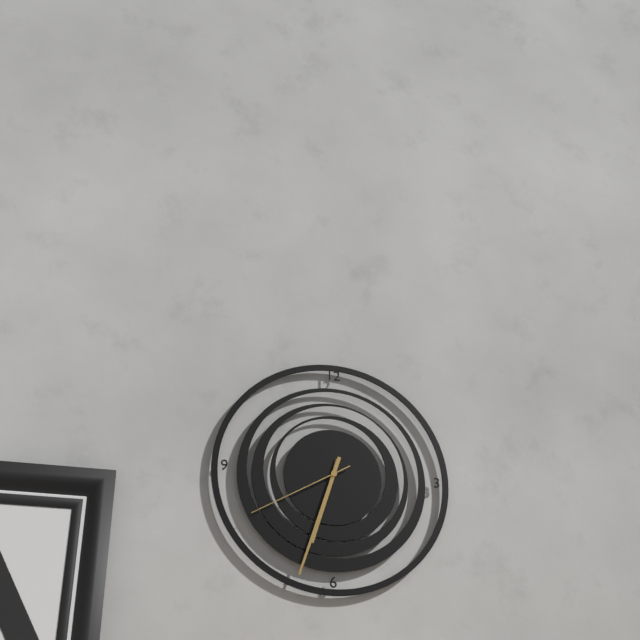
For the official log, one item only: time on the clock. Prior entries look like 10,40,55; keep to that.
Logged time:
6,33,40
